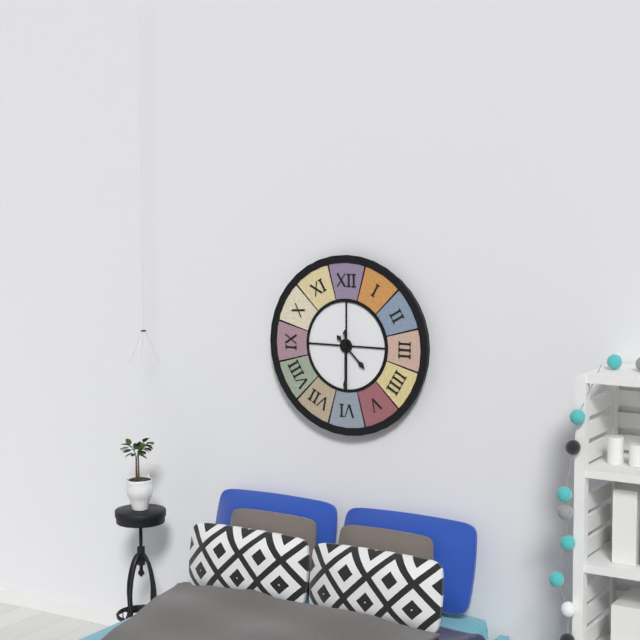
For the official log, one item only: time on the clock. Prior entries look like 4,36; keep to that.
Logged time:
4,30
